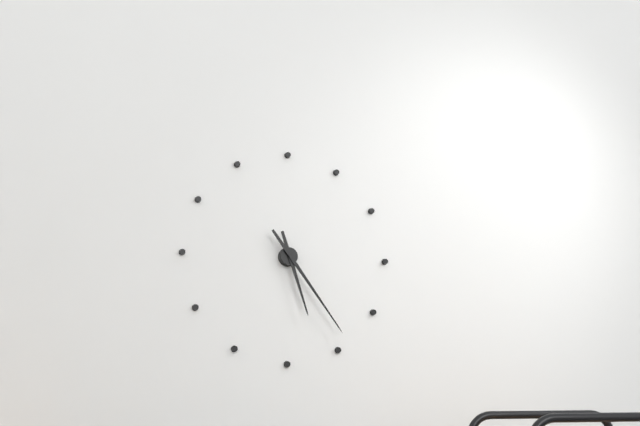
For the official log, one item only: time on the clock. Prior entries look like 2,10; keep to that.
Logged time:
5,24
